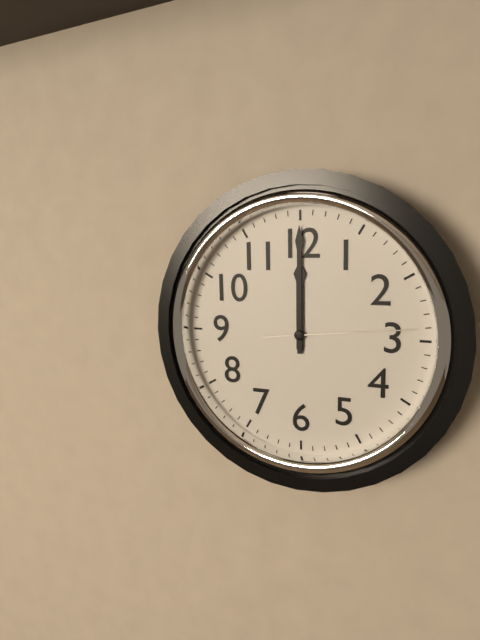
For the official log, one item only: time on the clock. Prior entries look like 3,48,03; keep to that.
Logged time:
12,00,14
